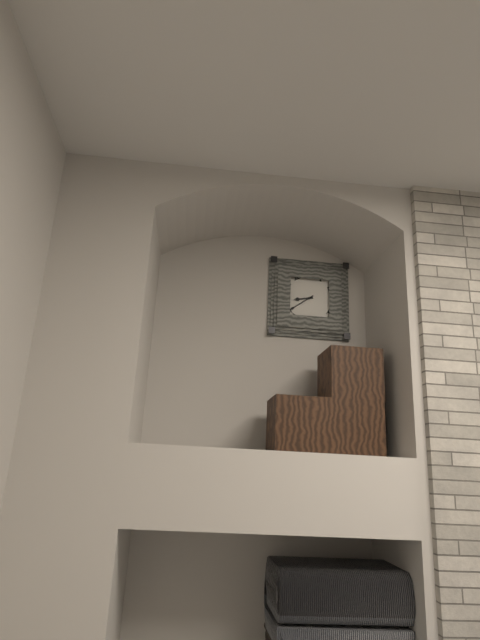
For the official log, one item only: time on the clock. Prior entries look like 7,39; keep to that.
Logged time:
8,39
